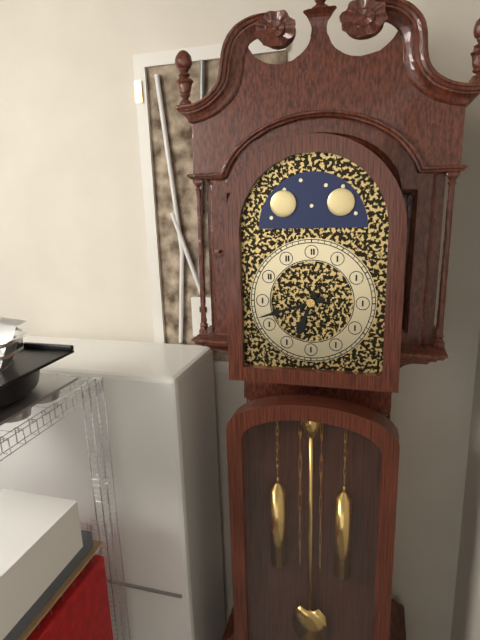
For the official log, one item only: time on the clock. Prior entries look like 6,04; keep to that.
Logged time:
6,42
